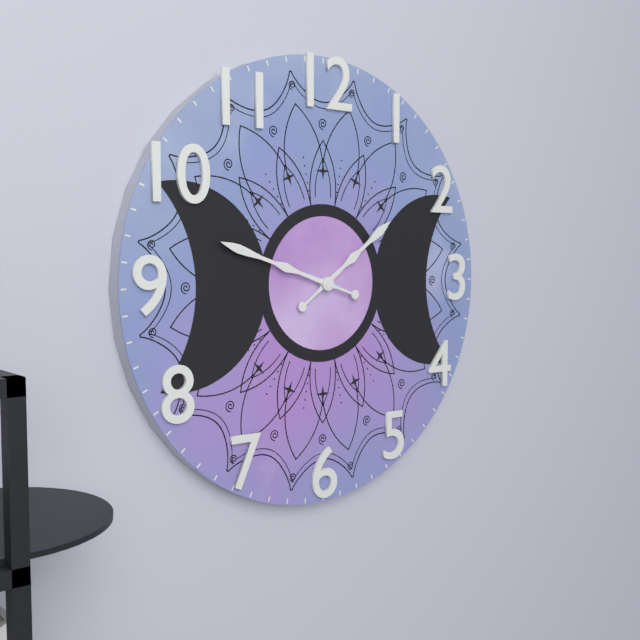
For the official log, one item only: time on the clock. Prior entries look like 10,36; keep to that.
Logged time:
1,48
